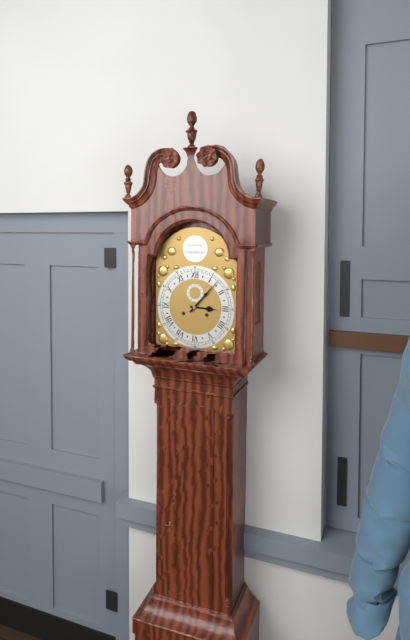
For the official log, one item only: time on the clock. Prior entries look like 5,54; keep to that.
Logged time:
3,07
